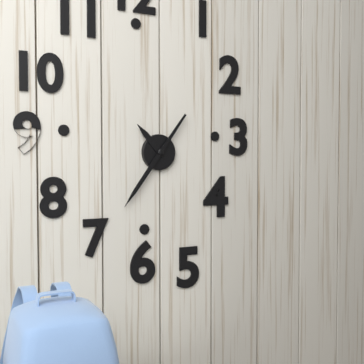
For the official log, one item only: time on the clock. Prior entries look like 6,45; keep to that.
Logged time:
10,36
